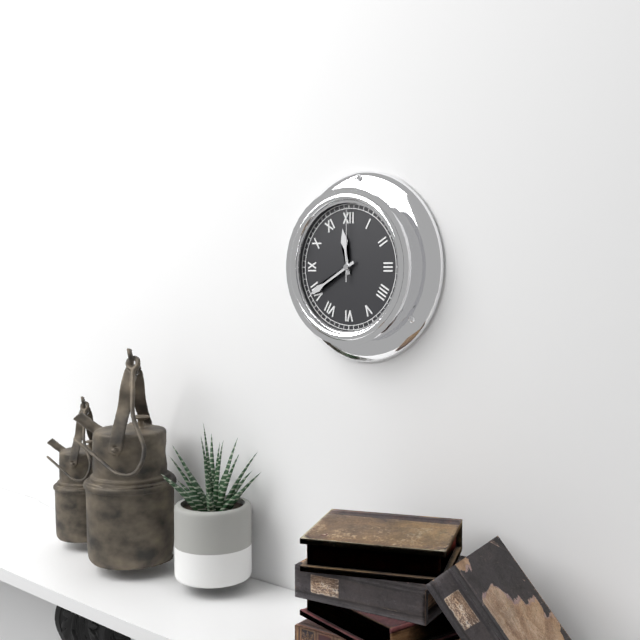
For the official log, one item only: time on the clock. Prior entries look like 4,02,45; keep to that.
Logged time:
11,40,00
